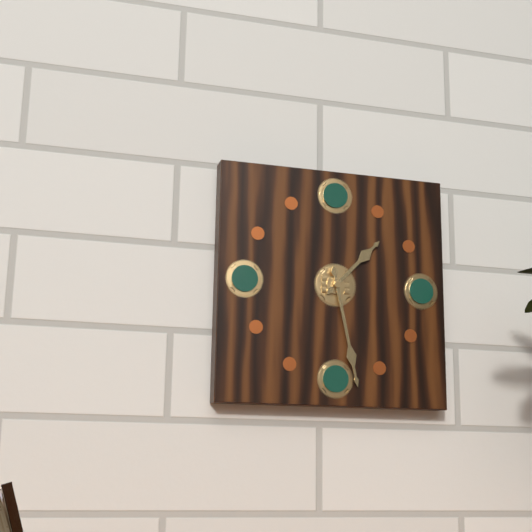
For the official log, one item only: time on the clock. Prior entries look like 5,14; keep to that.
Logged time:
1,28
